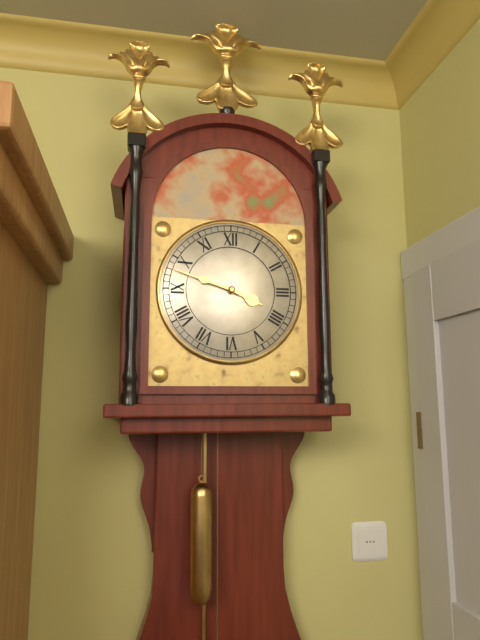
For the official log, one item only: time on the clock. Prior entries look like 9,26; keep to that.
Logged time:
3,48
